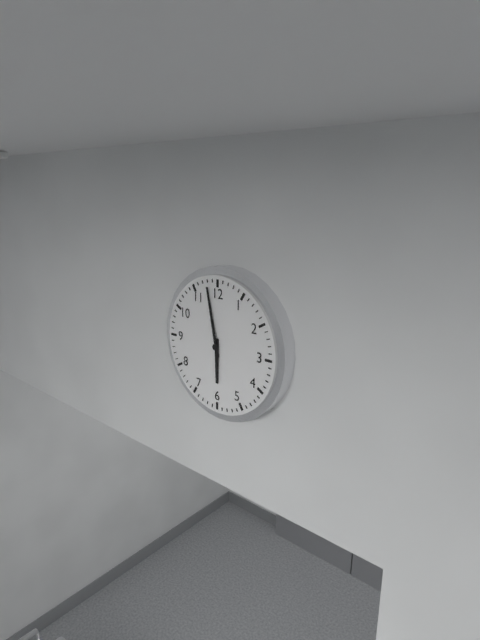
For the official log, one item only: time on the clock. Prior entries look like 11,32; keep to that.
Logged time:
5,58
